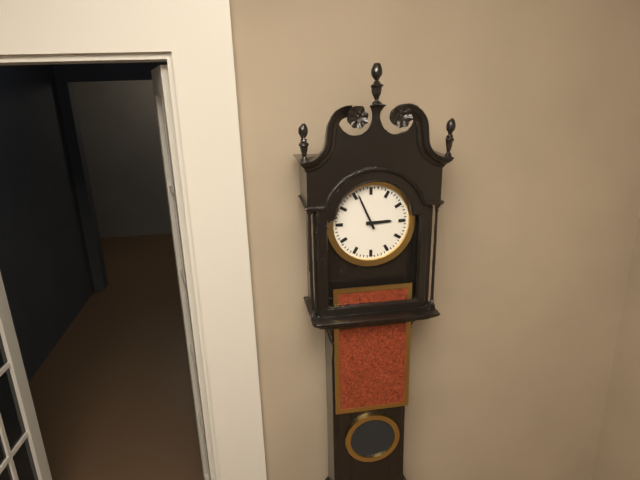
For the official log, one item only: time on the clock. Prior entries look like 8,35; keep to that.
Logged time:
2,56
